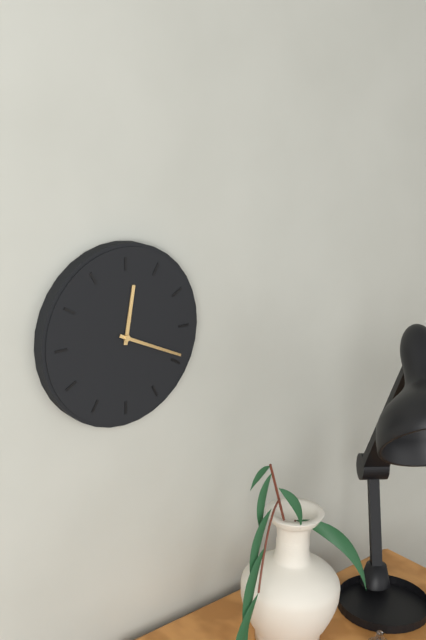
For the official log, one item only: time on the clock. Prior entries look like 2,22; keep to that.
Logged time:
12,19
